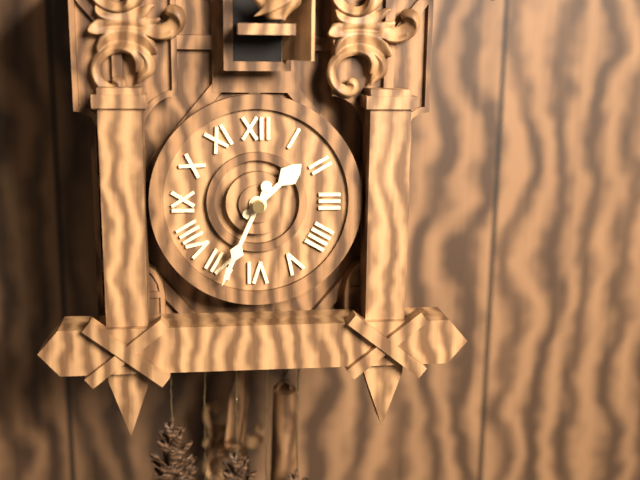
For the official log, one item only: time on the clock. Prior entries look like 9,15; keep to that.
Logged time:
1,34
